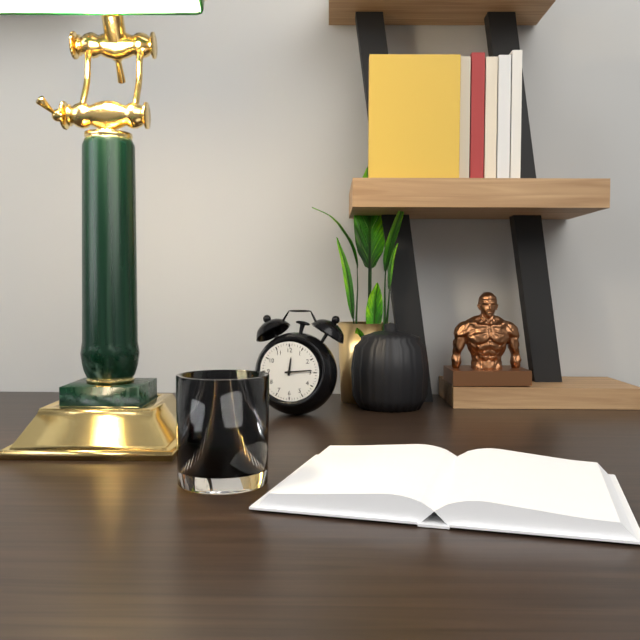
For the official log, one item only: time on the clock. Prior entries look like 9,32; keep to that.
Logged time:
12,14
